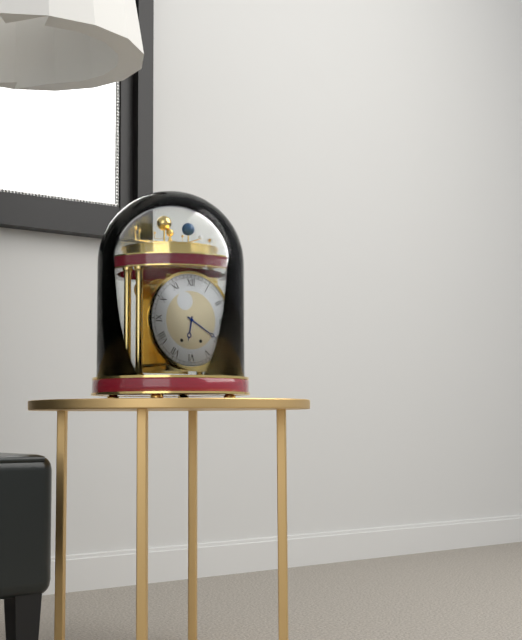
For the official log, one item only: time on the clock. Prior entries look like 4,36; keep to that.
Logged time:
6,20
